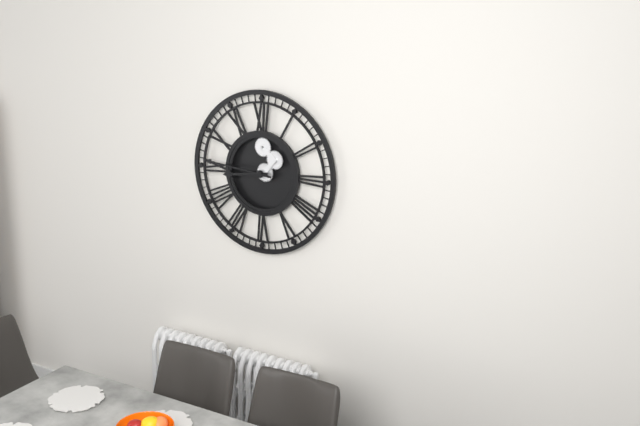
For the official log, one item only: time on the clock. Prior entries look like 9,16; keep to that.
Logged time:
8,46
